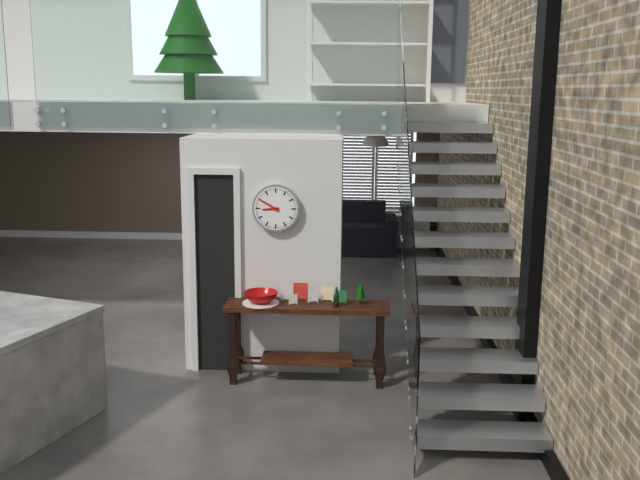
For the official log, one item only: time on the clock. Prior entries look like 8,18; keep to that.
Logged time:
8,50
